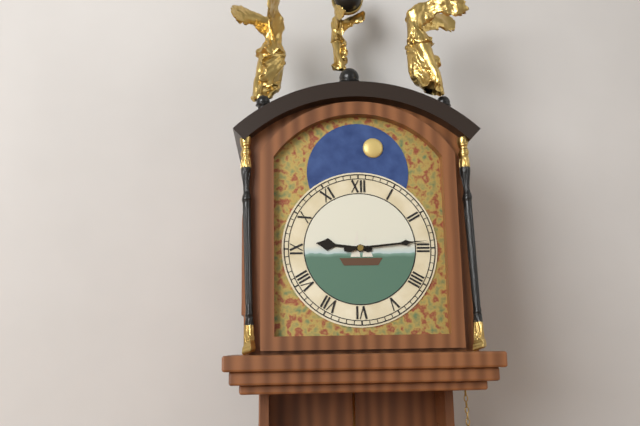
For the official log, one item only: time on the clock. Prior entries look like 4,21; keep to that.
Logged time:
9,14
